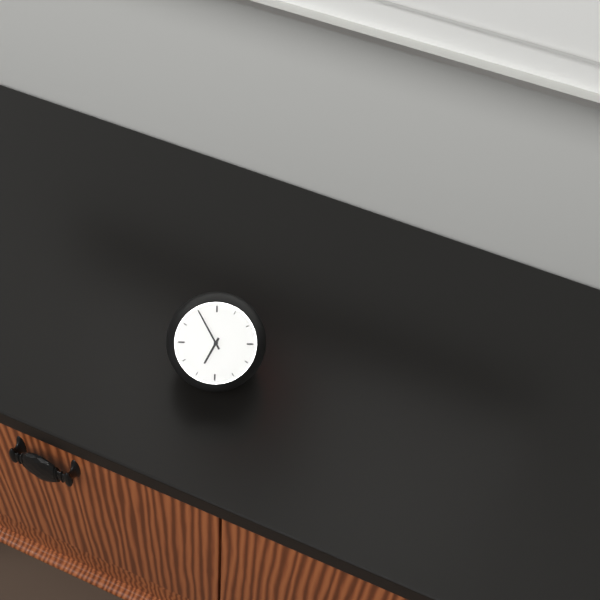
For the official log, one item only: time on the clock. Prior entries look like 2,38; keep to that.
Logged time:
6,55
